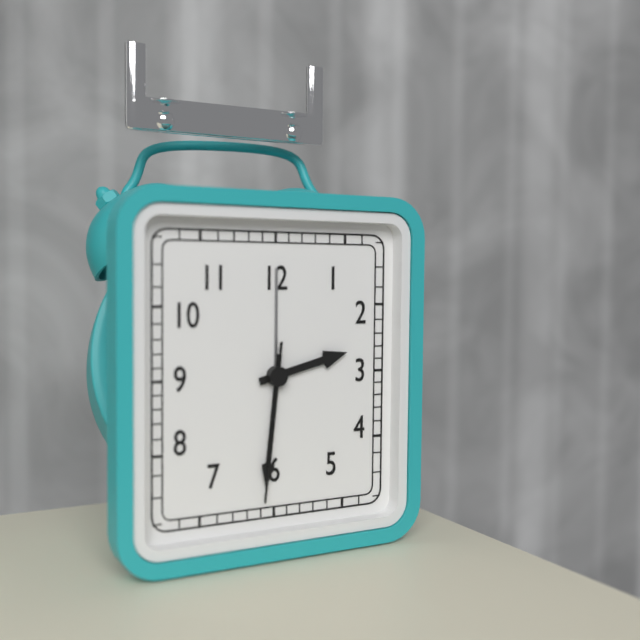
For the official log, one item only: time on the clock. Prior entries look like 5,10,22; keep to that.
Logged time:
2,31,31
